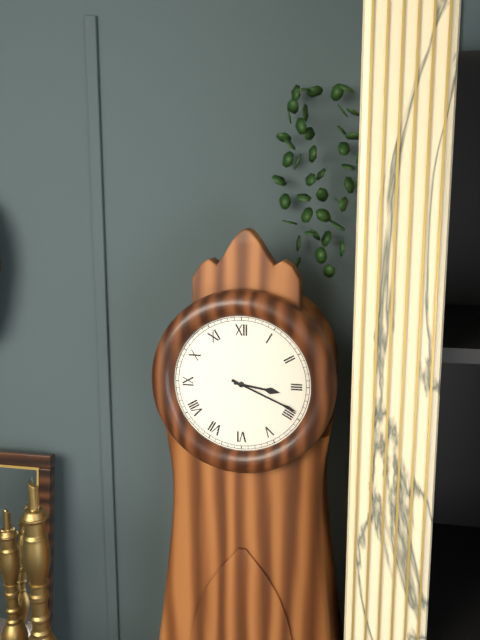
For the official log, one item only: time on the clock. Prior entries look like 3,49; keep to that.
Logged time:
3,19
